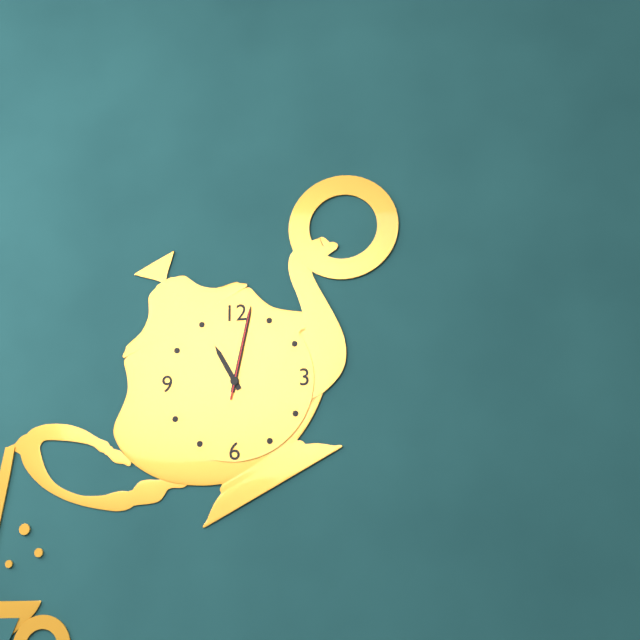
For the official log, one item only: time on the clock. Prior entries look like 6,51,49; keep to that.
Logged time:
11,02,02
